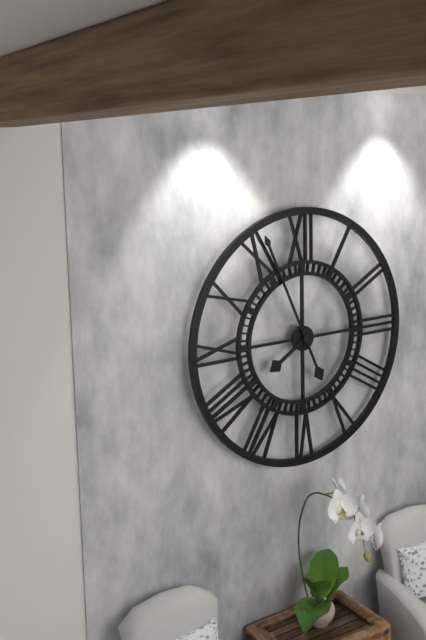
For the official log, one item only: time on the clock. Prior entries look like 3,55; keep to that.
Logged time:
7,56
